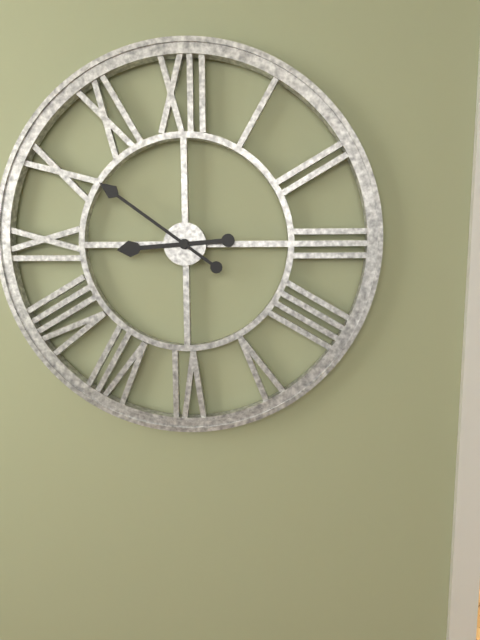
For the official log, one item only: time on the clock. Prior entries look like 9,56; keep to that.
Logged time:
8,51
